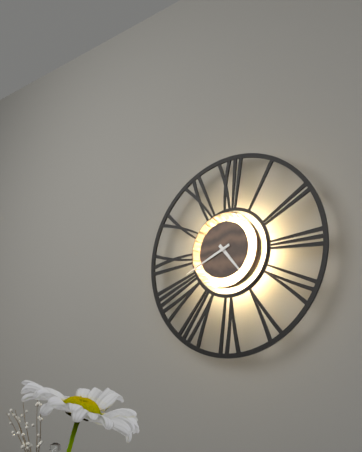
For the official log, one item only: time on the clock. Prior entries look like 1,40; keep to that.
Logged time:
4,41
